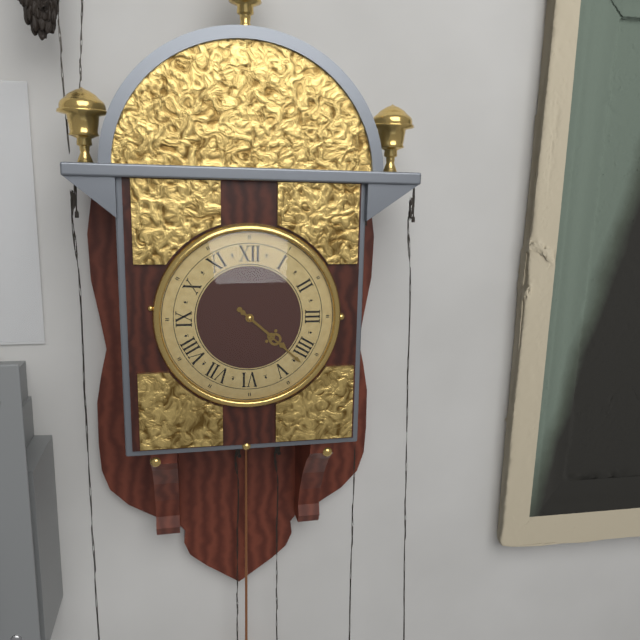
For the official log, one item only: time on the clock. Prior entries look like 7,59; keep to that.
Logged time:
4,22
